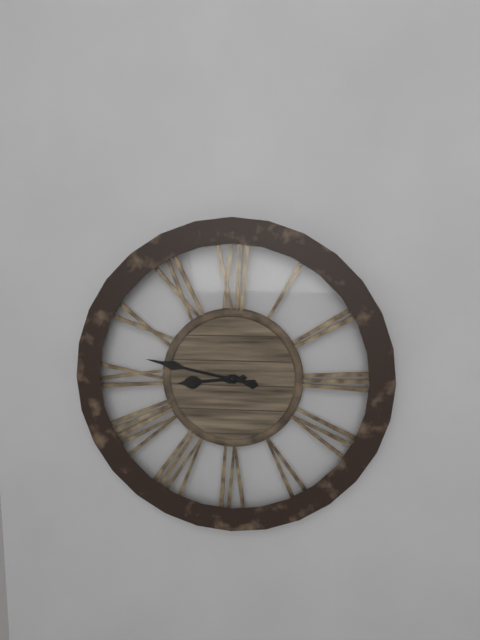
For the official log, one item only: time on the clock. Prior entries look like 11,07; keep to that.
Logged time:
8,47
